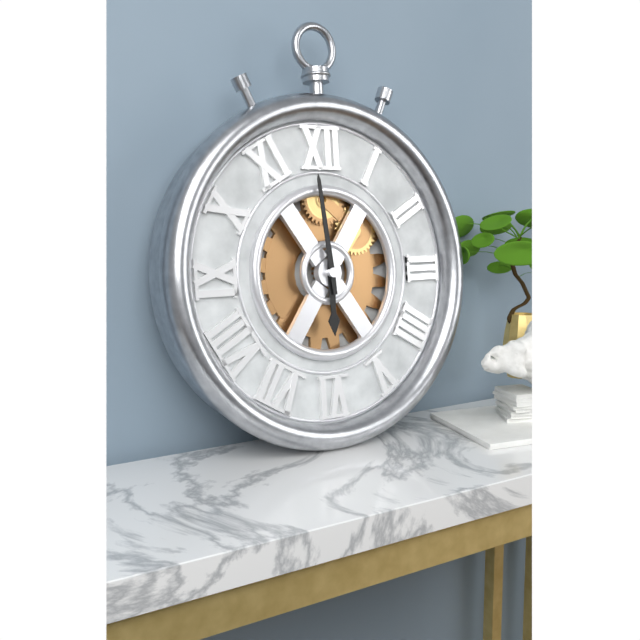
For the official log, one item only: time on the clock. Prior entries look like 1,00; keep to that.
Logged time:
5,59
